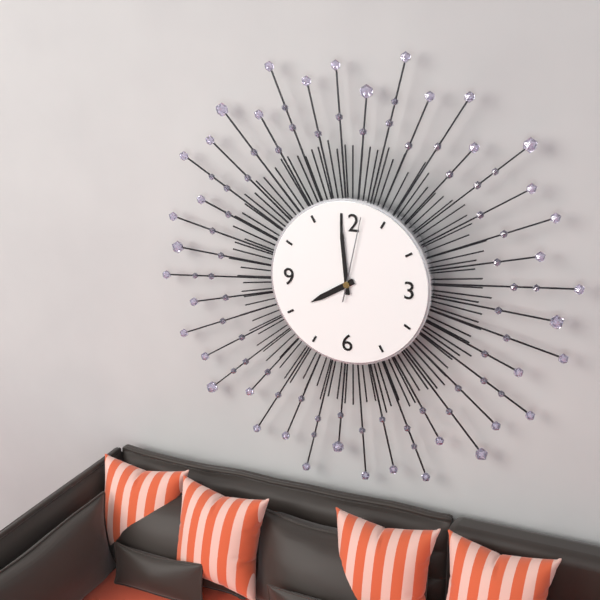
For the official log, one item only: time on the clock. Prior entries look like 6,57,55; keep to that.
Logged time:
7,59,02
